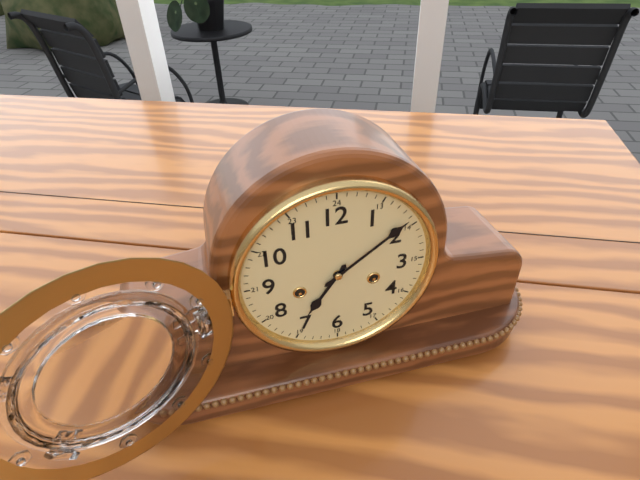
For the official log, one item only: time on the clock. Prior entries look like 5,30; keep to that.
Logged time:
7,09
